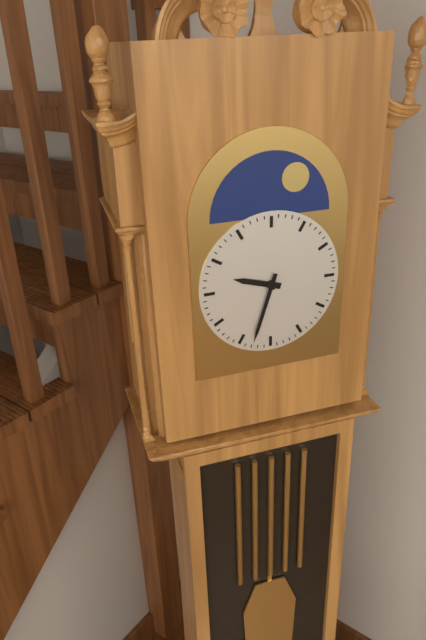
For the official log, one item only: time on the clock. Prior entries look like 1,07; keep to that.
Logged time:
9,33
